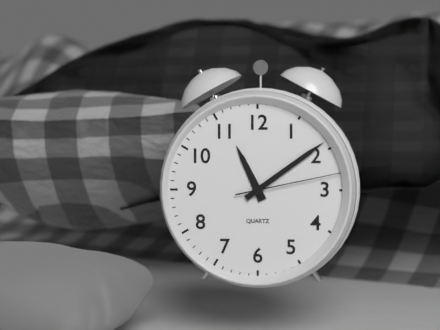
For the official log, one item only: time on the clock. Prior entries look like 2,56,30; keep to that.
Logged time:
11,09,13
